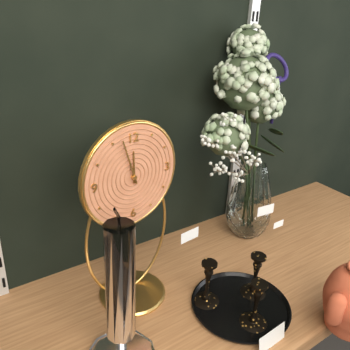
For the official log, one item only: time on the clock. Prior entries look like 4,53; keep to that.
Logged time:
11,57
